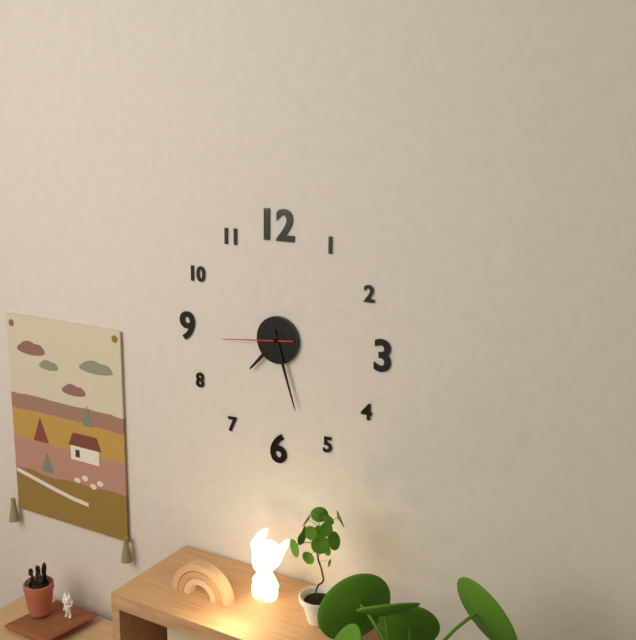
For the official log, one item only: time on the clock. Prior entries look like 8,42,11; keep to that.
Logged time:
7,27,44
